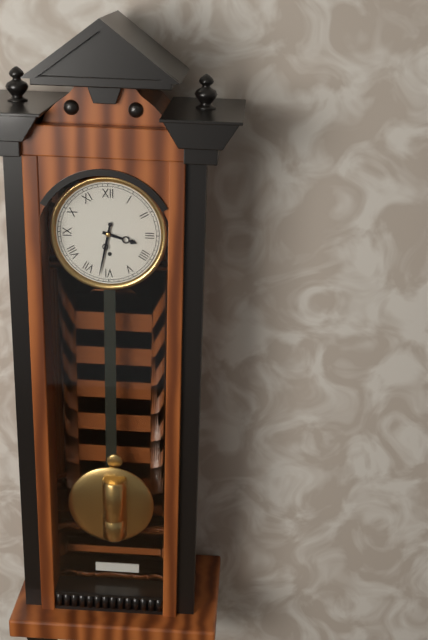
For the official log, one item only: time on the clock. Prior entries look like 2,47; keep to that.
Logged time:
3,32
